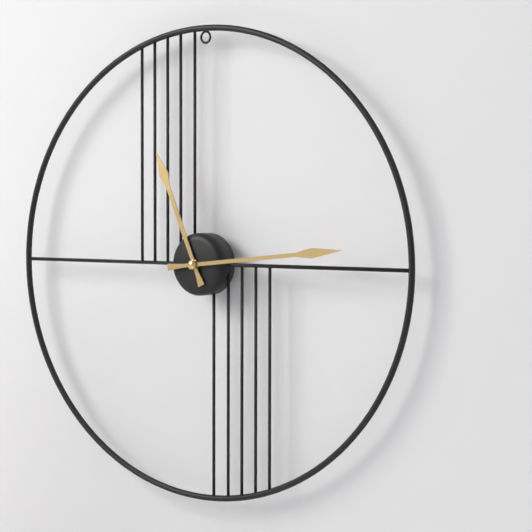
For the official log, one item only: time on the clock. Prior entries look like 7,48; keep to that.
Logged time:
11,14
